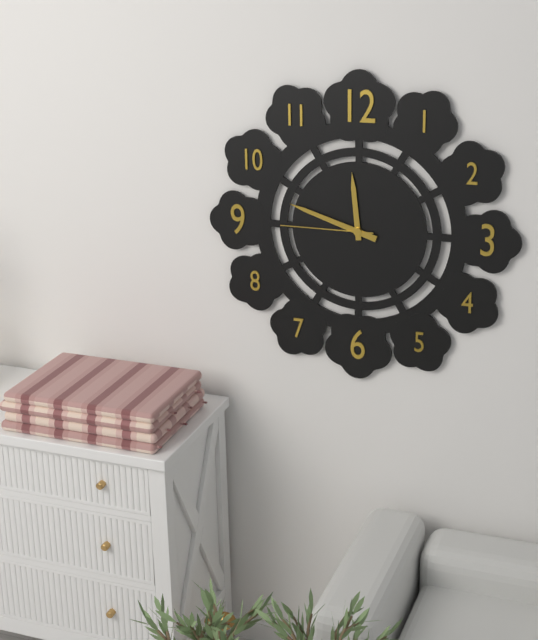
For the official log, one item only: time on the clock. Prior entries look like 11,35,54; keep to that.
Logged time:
11,48,45
